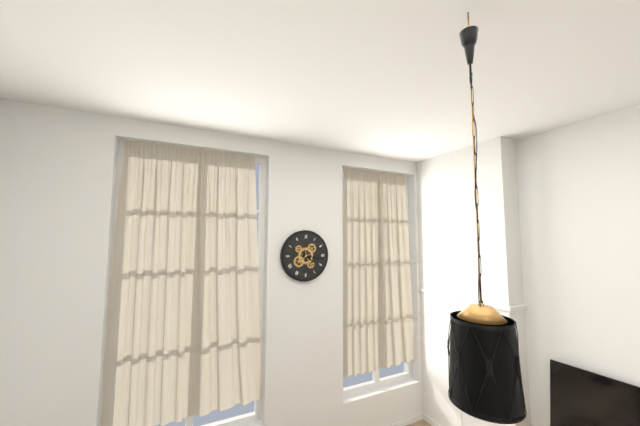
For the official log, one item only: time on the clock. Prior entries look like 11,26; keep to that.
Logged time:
4,17
